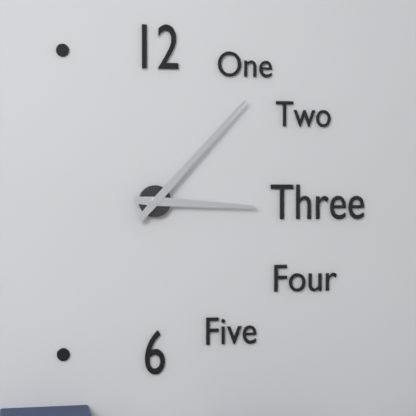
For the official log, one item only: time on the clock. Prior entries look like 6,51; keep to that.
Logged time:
3,07
